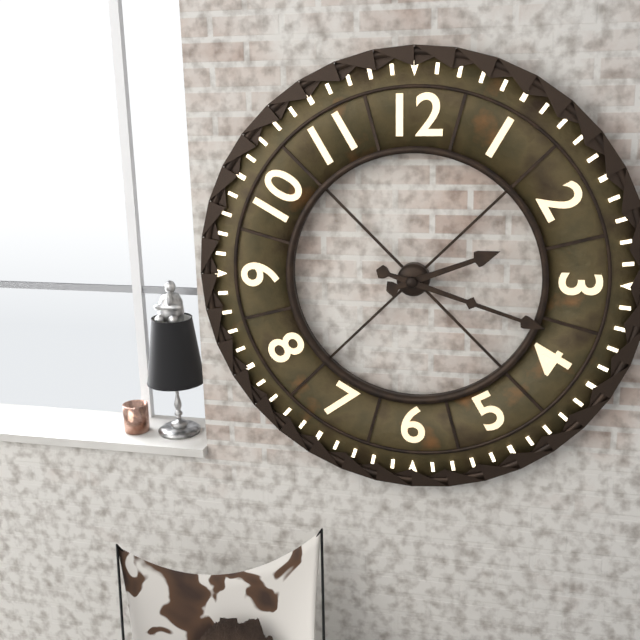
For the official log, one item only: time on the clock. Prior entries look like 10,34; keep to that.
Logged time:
2,18
